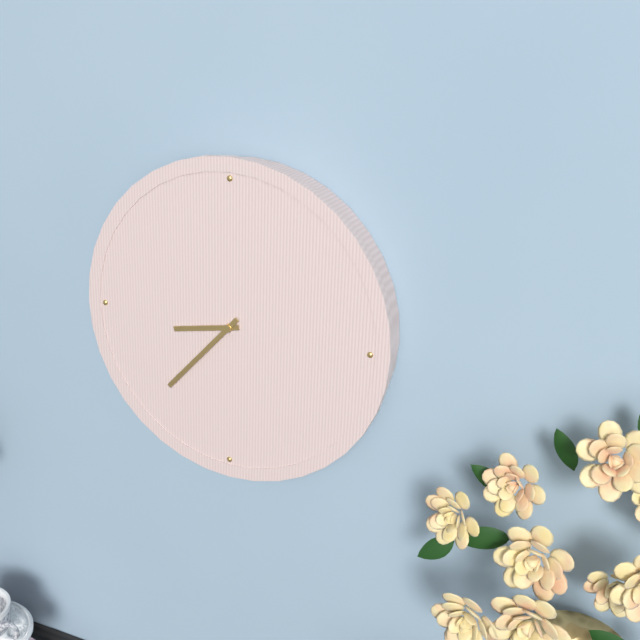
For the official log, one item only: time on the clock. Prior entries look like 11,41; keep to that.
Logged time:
8,37
